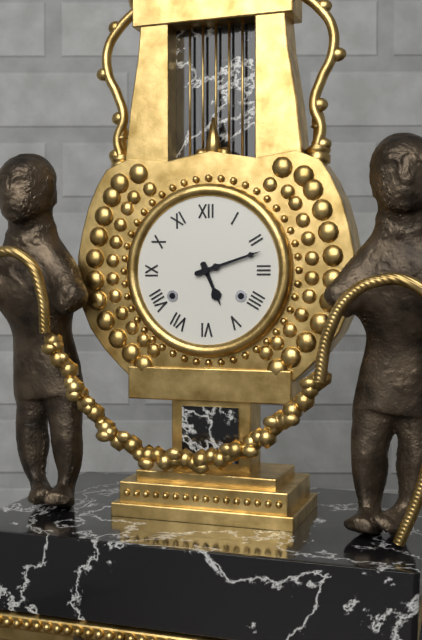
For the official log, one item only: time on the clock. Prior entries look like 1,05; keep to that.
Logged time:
5,12
